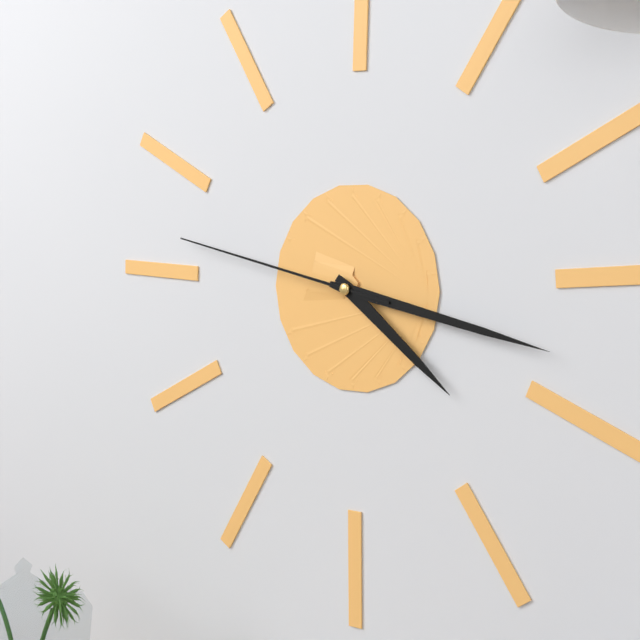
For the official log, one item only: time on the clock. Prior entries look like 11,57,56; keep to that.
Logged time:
4,17,47
